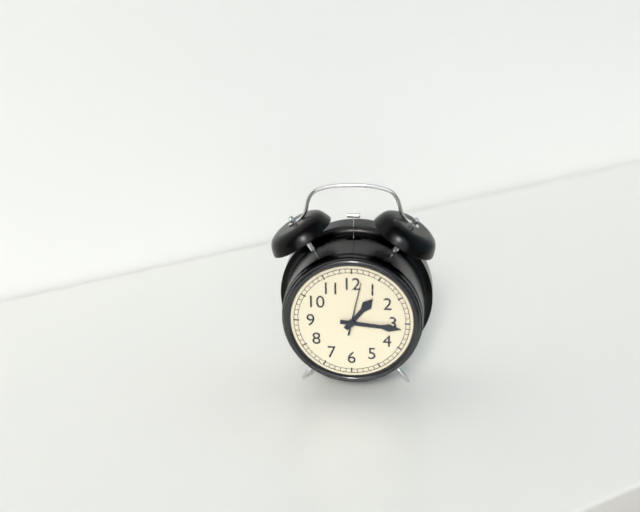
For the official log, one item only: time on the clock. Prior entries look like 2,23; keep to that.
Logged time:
1,16
